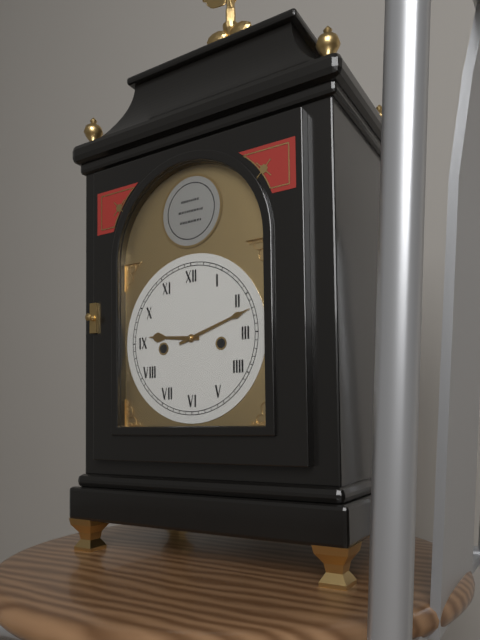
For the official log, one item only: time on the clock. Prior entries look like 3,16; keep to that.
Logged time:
9,12
